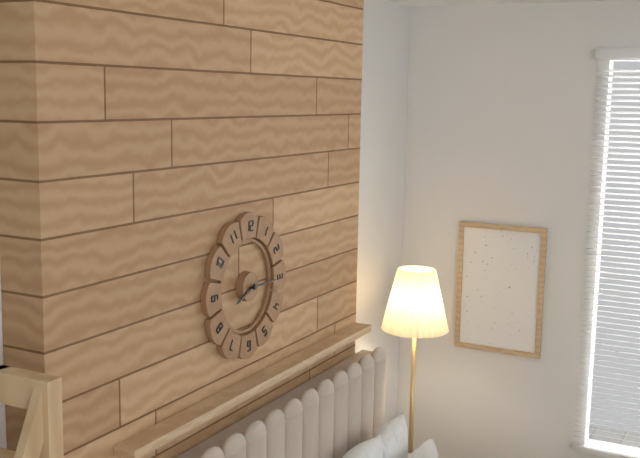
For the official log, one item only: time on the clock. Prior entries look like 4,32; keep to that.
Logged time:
8,15
